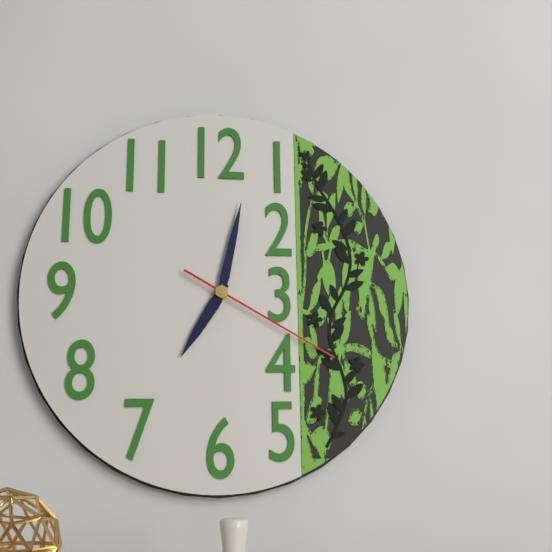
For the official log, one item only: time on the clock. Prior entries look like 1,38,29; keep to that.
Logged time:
7,02,20
